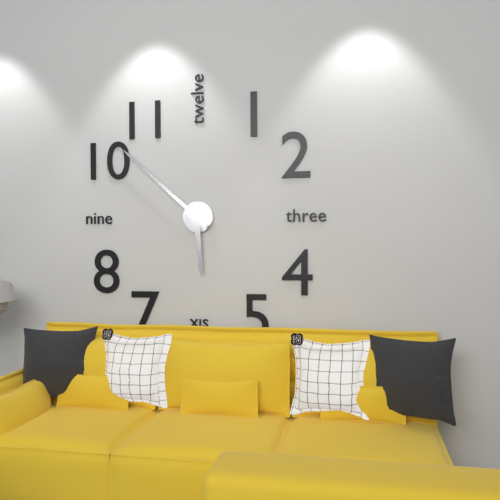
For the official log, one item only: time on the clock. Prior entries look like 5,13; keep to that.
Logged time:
5,52
